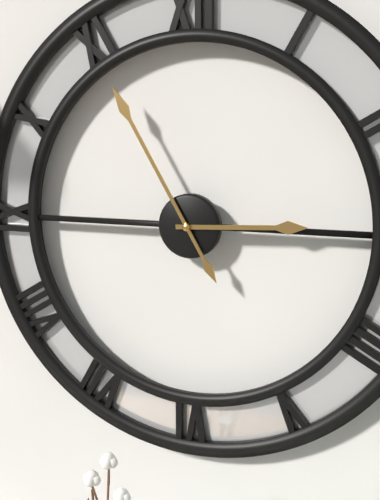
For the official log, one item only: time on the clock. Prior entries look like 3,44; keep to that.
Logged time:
2,55
